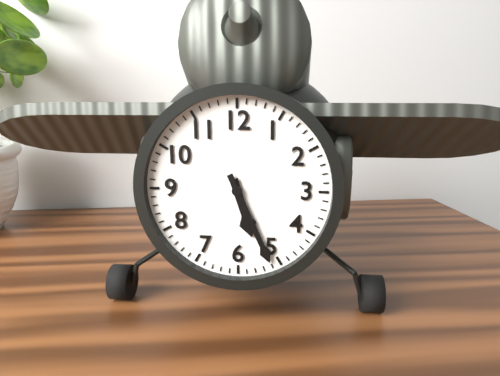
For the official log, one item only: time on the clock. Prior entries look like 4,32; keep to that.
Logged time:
5,26
